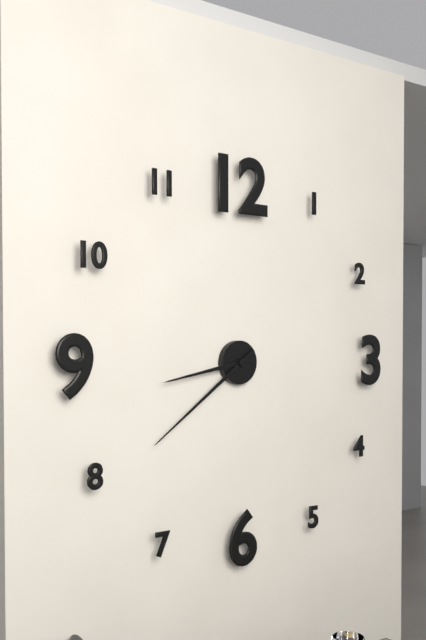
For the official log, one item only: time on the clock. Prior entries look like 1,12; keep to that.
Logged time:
8,39
